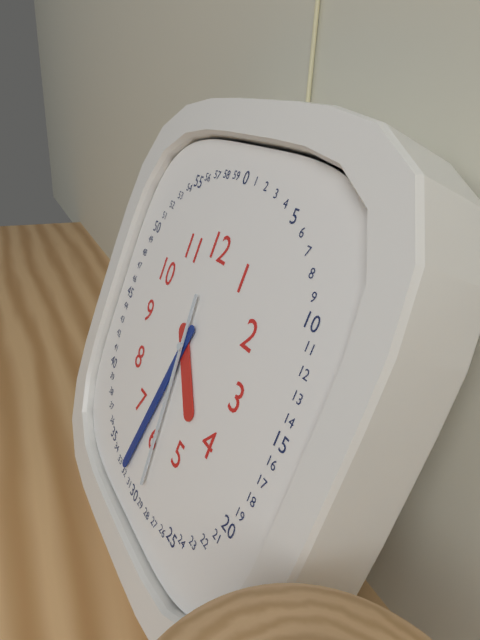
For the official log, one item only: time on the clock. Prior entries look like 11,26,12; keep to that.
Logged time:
4,32,29
